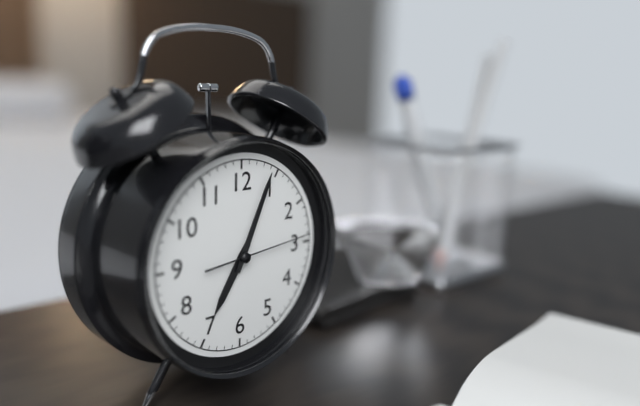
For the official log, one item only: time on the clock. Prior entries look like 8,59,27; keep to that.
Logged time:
7,04,14
